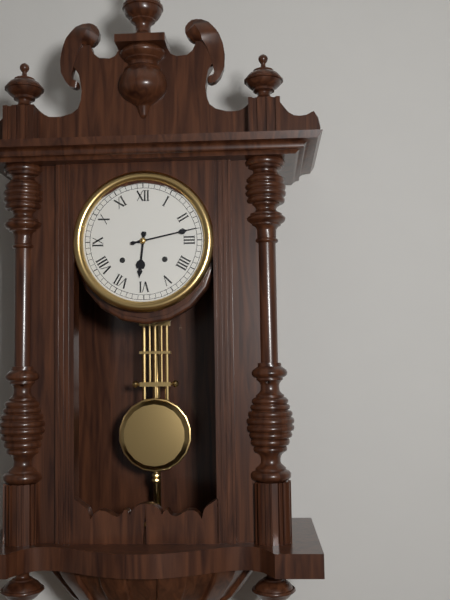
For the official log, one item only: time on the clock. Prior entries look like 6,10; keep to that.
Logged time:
6,13
